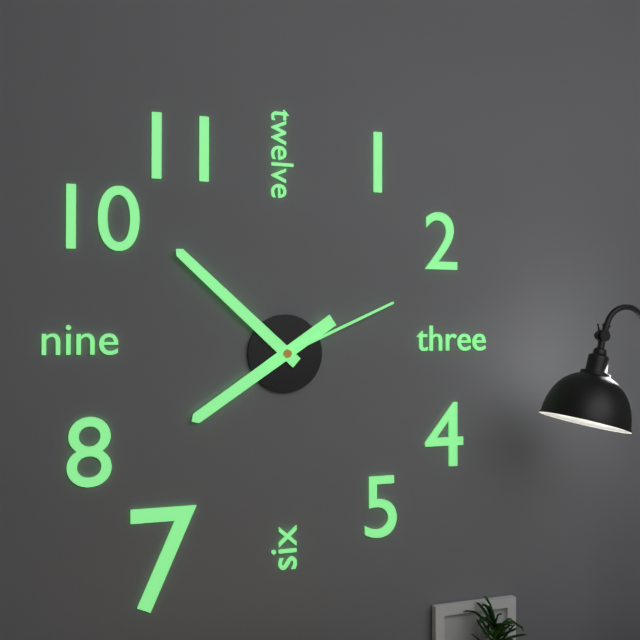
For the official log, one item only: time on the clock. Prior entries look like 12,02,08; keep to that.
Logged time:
7,52,11
